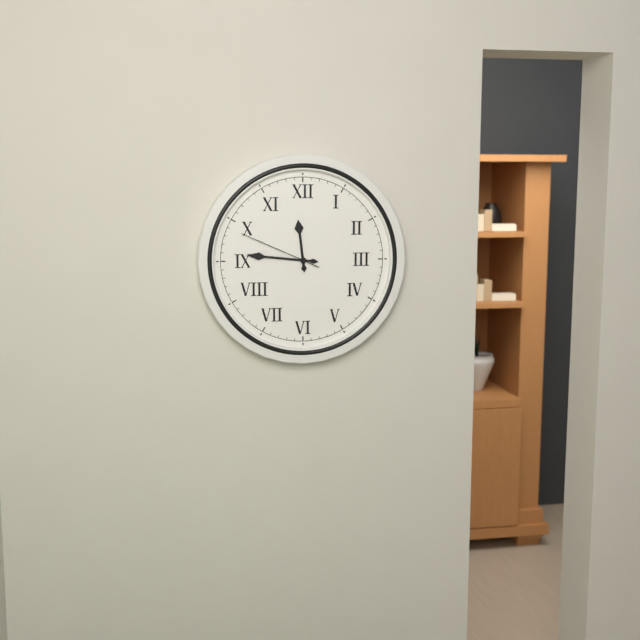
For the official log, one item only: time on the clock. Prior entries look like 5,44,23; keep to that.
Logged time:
11,46,49
